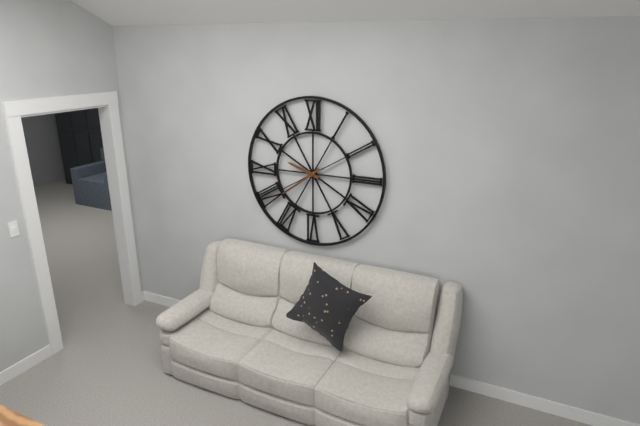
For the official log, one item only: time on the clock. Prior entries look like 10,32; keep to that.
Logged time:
9,39
